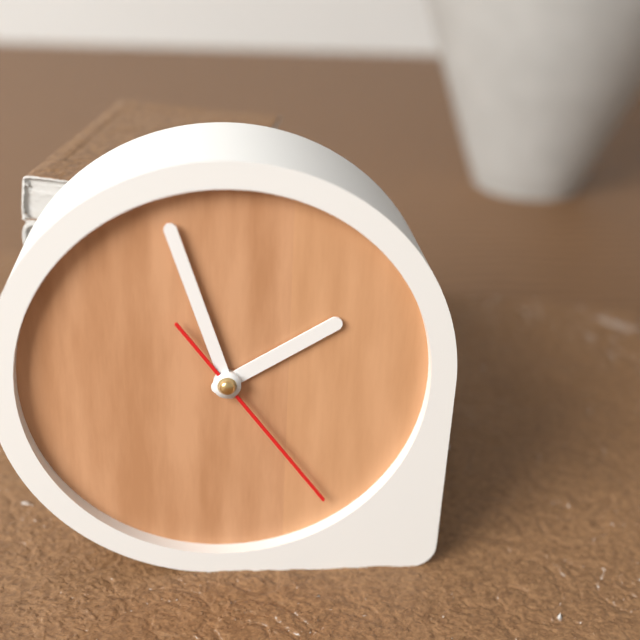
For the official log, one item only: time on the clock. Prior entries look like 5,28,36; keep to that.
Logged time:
1,57,24
